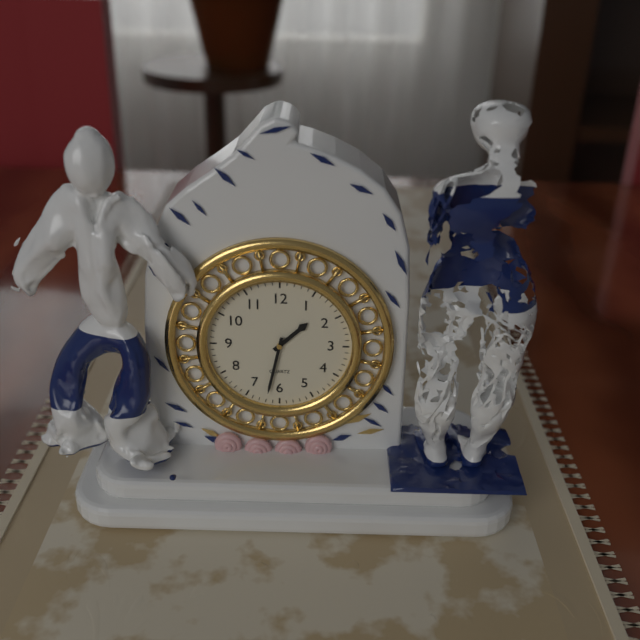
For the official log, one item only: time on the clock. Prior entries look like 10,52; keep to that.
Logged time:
1,32
